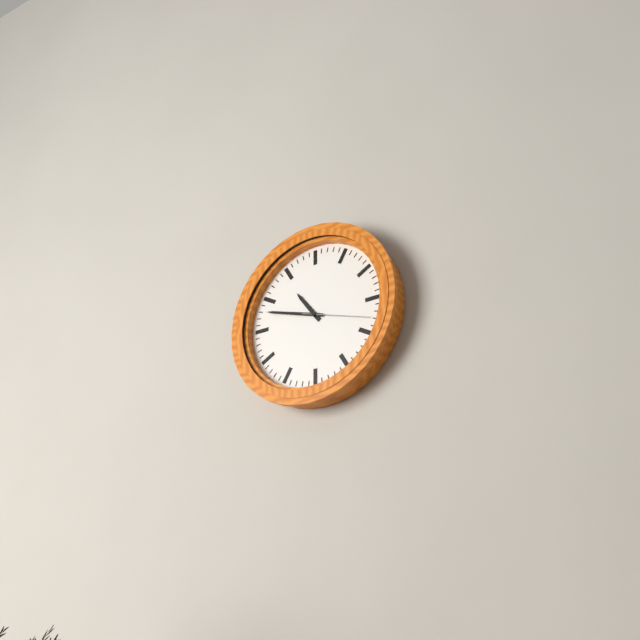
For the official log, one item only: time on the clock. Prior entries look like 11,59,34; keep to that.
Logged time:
10,48,18
